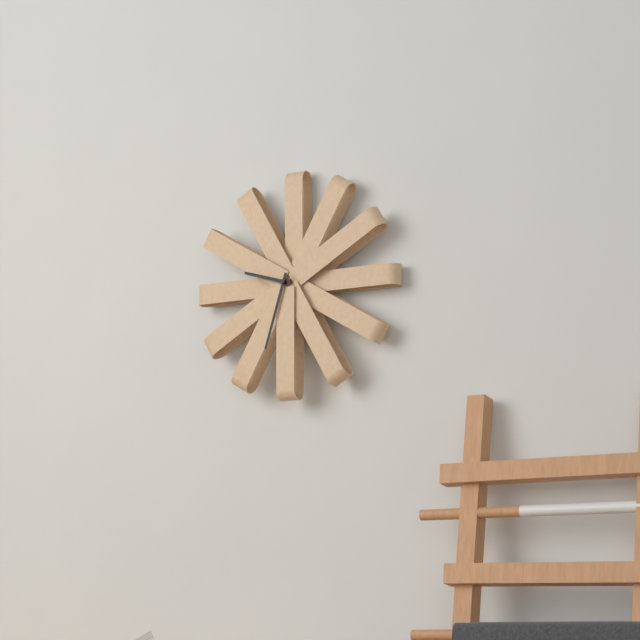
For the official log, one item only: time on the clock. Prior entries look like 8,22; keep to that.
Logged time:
9,33
